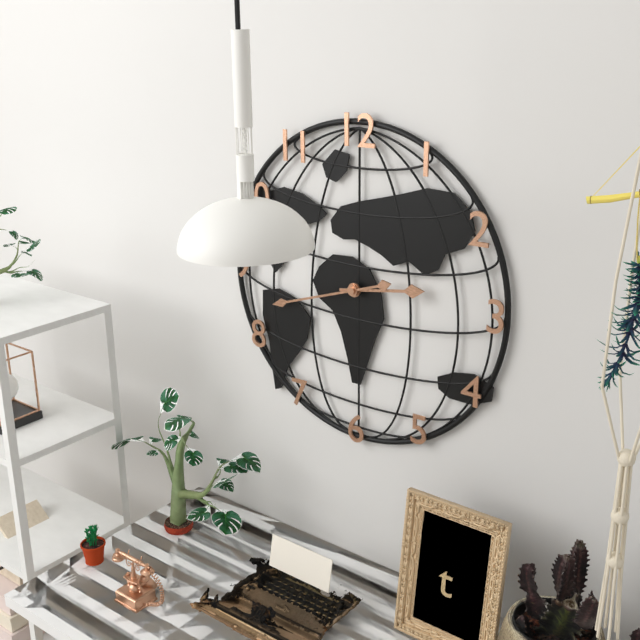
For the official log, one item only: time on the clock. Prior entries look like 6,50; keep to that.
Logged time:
2,42
